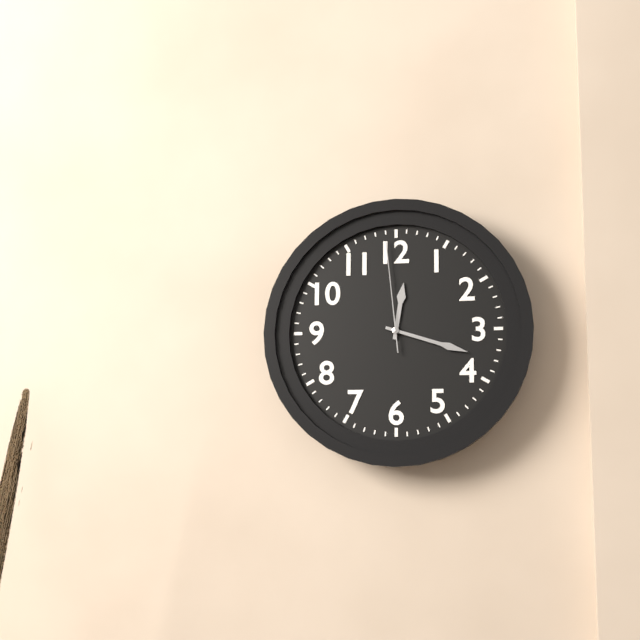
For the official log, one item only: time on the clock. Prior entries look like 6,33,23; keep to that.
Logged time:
12,18,59
